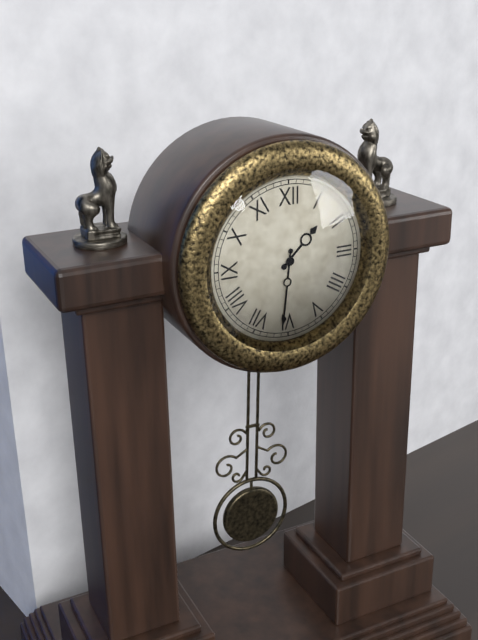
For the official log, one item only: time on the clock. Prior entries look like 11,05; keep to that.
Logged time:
1,31
